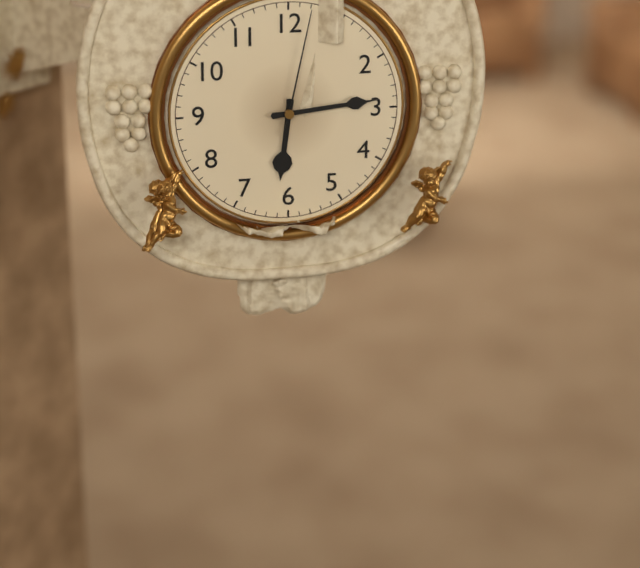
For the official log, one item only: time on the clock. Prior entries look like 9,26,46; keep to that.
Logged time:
6,14,02
